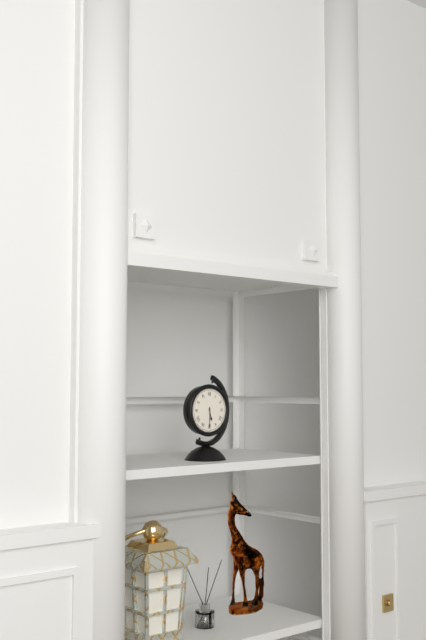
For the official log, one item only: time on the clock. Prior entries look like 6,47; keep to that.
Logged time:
5,30
